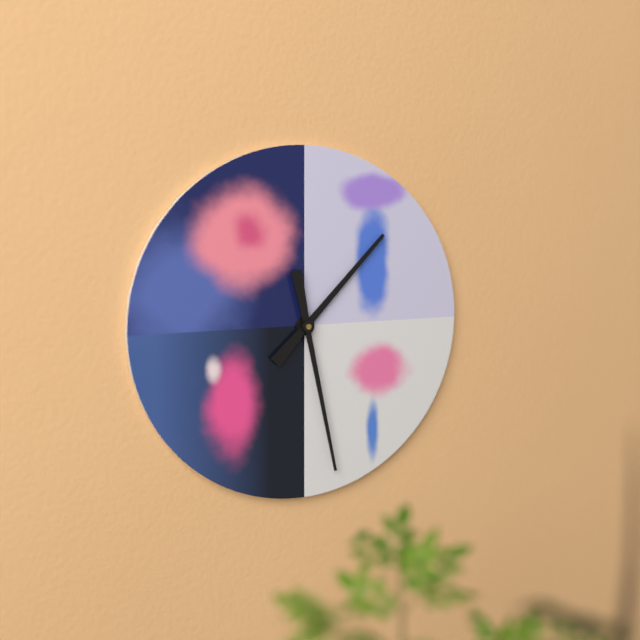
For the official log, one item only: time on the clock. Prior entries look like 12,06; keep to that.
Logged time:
1,28
